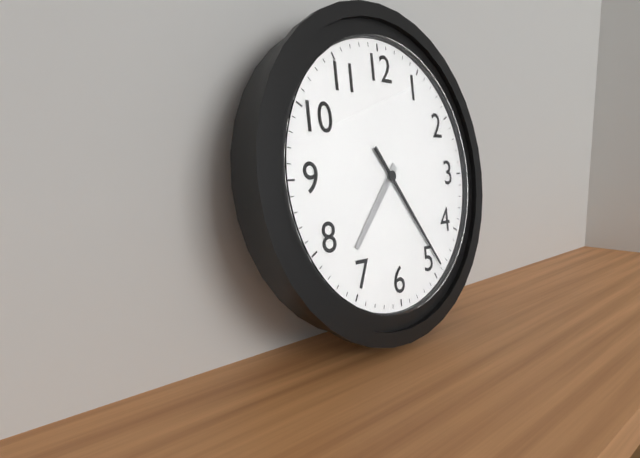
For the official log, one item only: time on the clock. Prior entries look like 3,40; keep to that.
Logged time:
7,24
